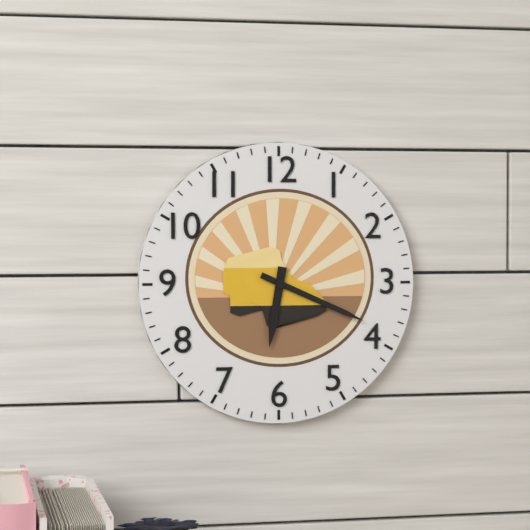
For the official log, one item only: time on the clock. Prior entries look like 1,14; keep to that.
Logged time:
6,19
